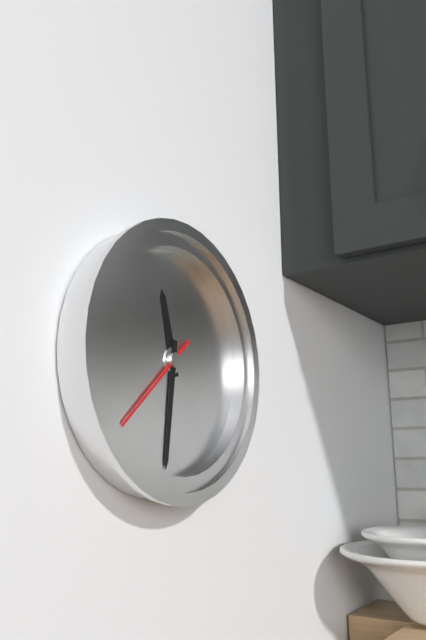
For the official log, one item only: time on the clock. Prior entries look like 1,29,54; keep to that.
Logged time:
11,31,38
